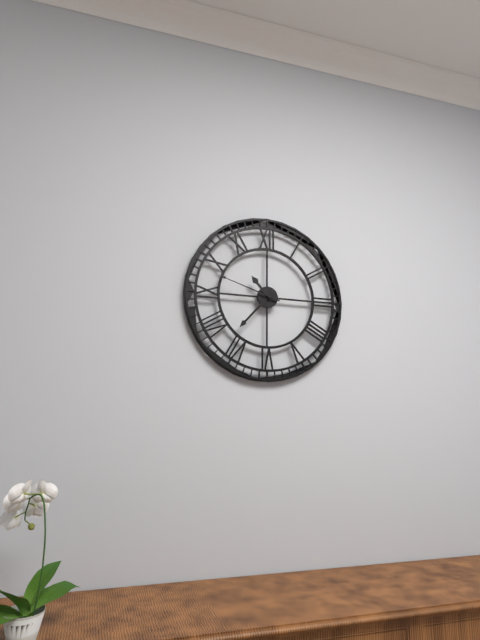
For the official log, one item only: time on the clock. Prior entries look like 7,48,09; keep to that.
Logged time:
10,37,48
